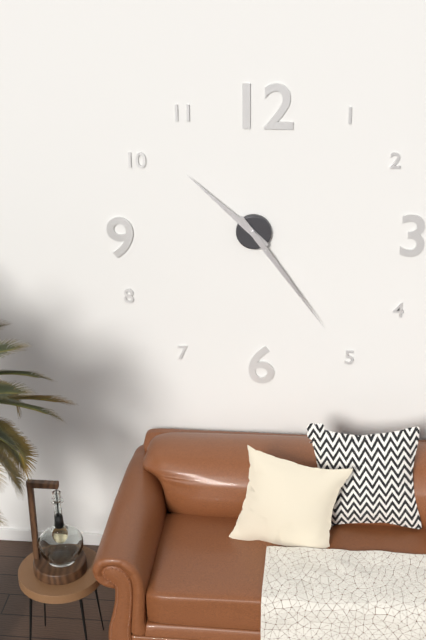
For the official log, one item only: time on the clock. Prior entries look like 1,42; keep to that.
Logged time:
10,24
